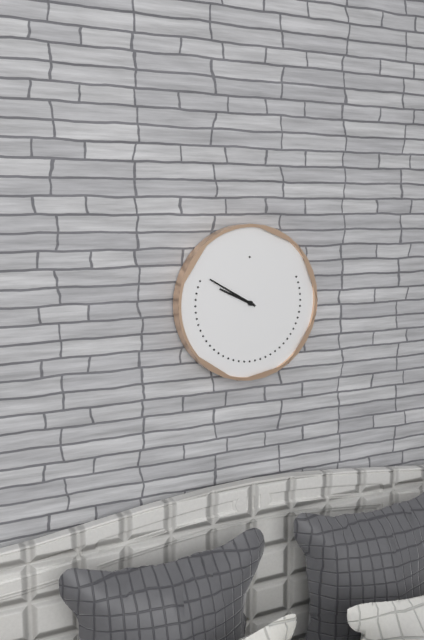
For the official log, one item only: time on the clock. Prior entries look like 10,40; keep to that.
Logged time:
9,50
